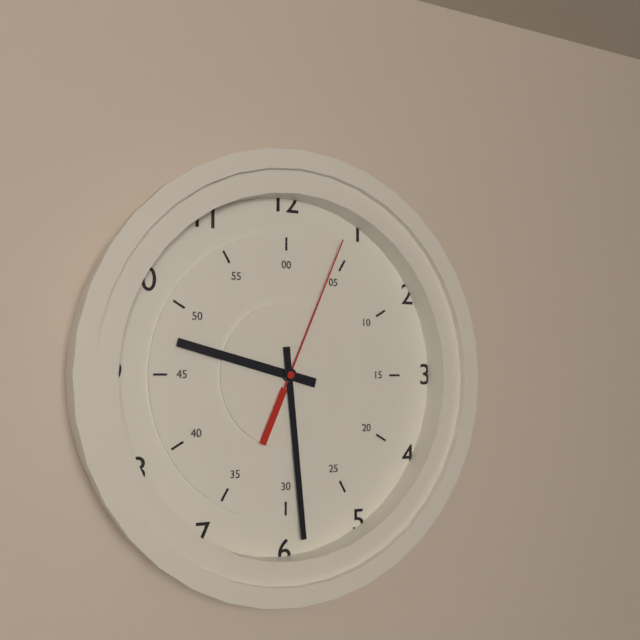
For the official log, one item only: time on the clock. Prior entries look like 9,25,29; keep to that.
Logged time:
9,29,04
